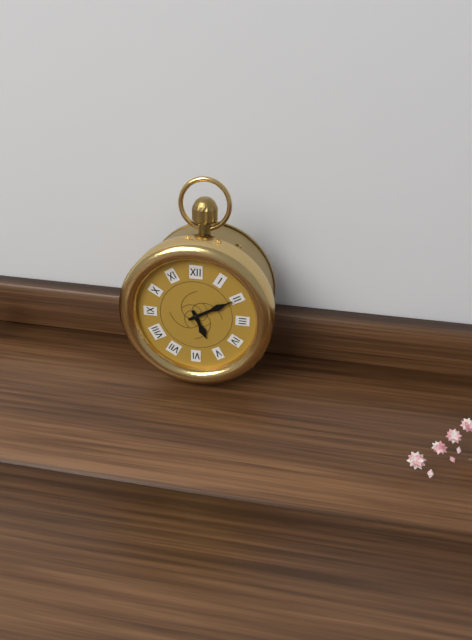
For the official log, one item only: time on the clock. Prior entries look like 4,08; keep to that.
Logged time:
5,10
